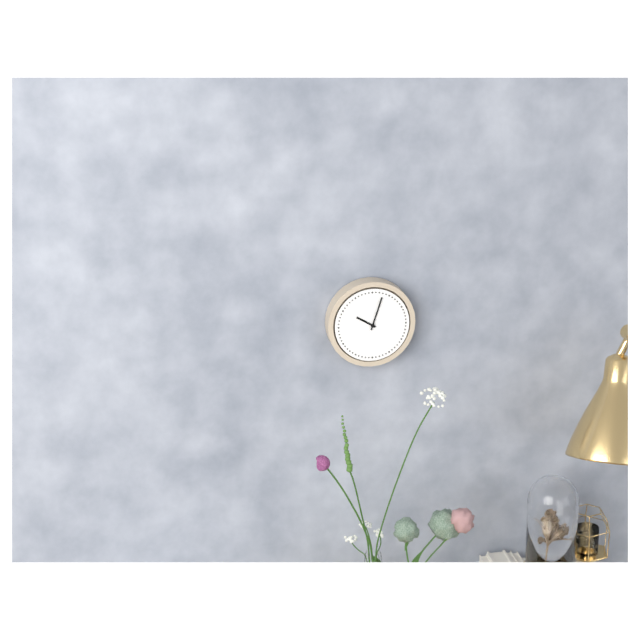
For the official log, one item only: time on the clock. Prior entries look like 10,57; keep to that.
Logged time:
10,03
